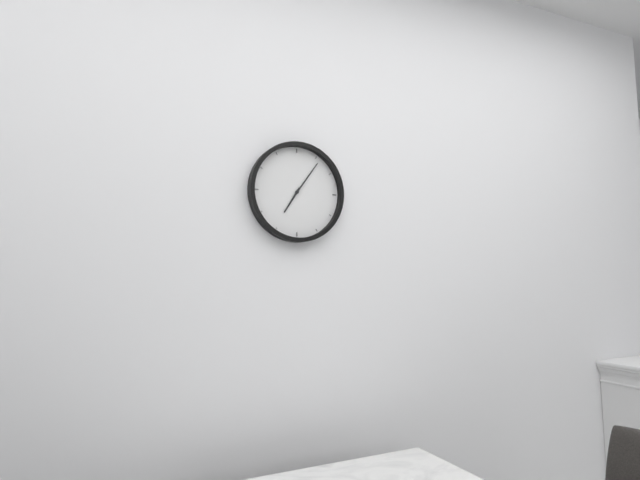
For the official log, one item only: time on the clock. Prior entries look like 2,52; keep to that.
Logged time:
7,06
